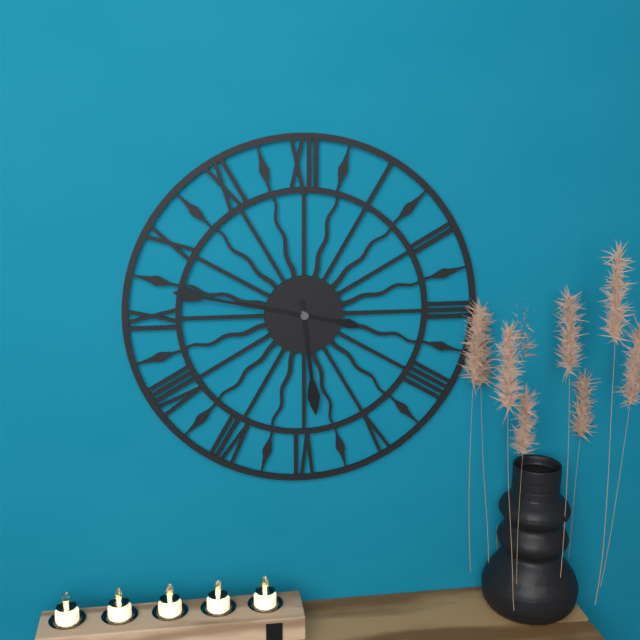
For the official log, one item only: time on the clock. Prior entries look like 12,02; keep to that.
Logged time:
5,47
